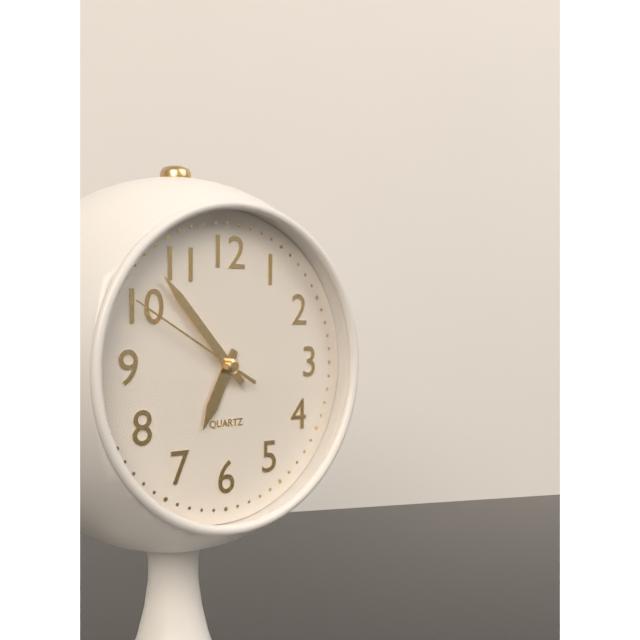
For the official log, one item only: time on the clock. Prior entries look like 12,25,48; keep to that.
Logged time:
6,53,50
